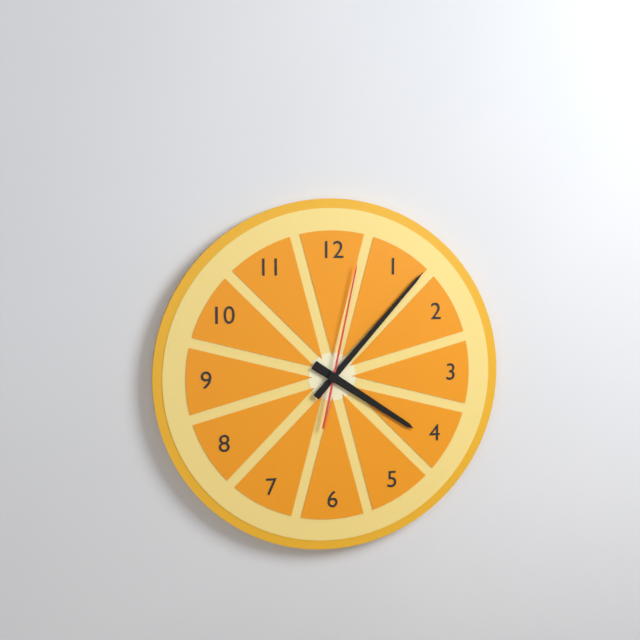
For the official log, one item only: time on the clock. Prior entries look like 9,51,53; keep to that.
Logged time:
4,07,02
